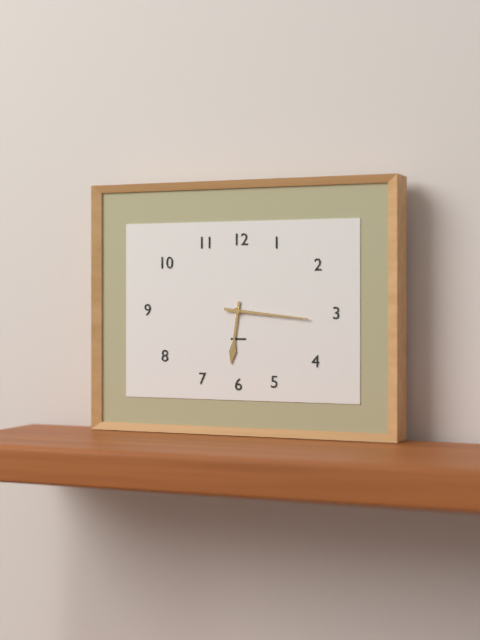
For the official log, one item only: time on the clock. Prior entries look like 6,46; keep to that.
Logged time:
6,16
